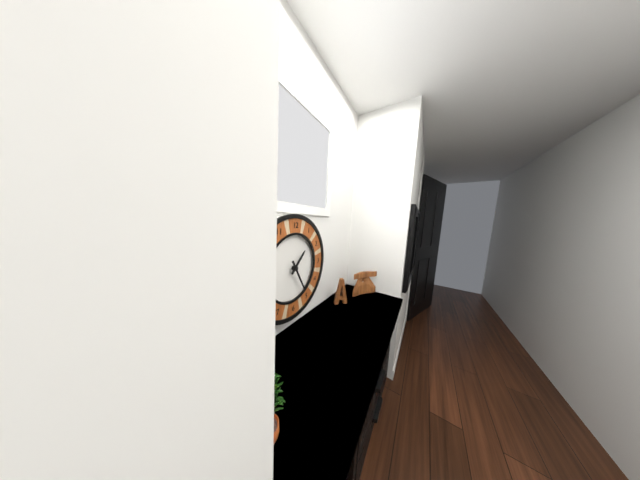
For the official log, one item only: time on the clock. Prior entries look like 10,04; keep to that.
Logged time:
1,25
